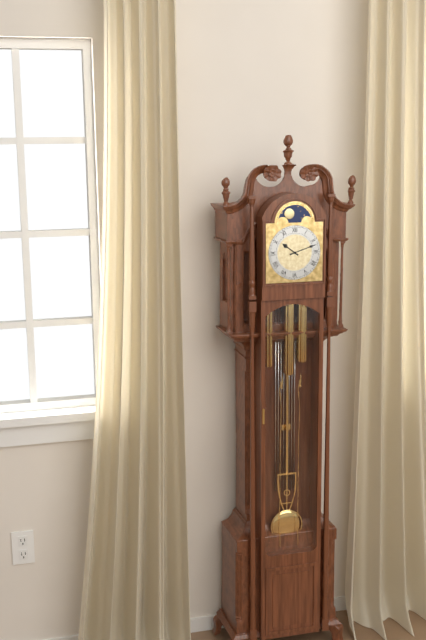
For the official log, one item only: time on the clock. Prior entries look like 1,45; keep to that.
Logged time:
10,12
